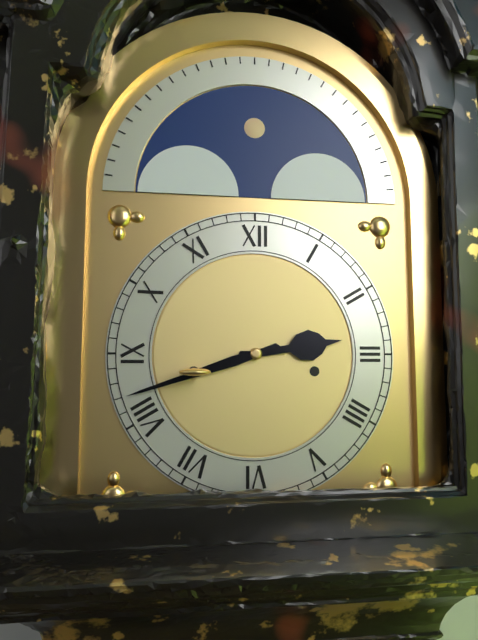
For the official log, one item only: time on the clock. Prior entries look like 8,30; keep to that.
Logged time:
2,42
